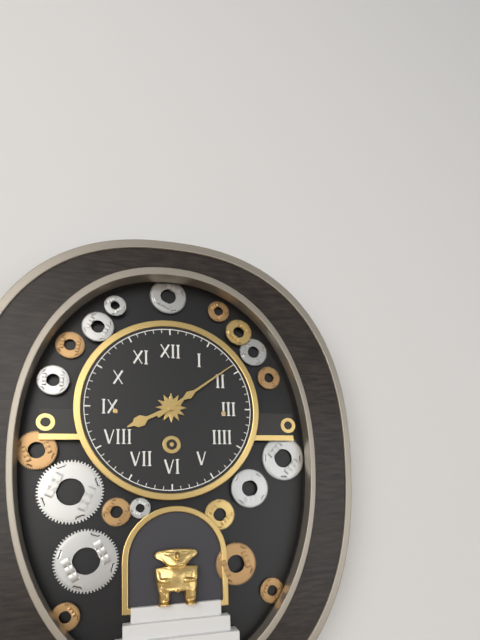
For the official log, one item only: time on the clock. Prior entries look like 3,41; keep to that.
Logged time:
8,09
